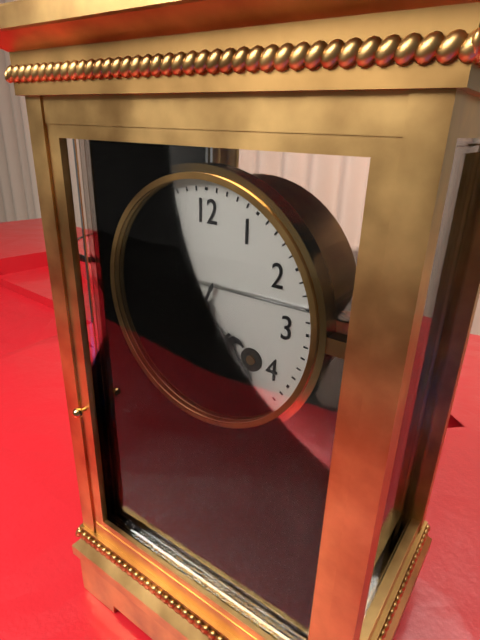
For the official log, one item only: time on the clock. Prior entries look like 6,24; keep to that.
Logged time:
4,34
